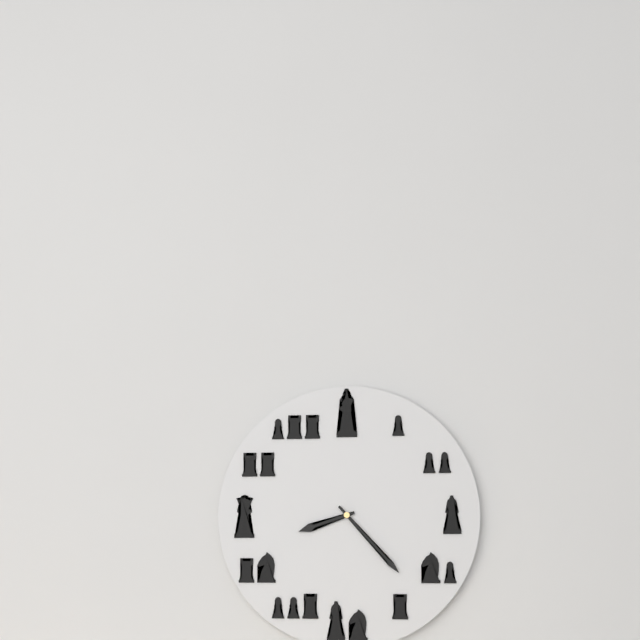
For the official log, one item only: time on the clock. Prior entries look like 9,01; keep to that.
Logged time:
8,23
